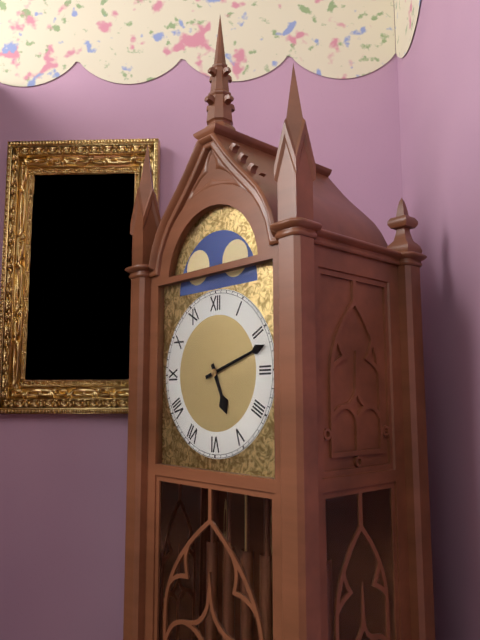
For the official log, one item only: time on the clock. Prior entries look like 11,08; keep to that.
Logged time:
5,12
